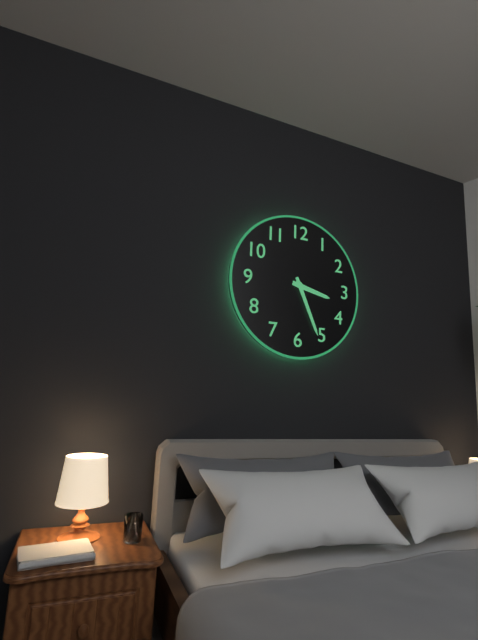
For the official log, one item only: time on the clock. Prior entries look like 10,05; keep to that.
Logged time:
3,26
